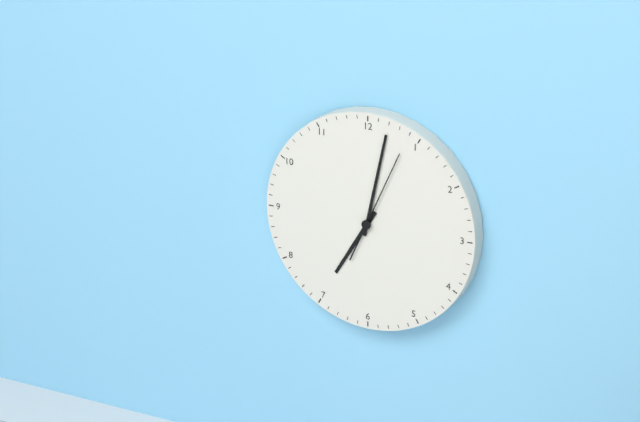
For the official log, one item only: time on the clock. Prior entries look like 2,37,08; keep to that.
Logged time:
7,02,04
